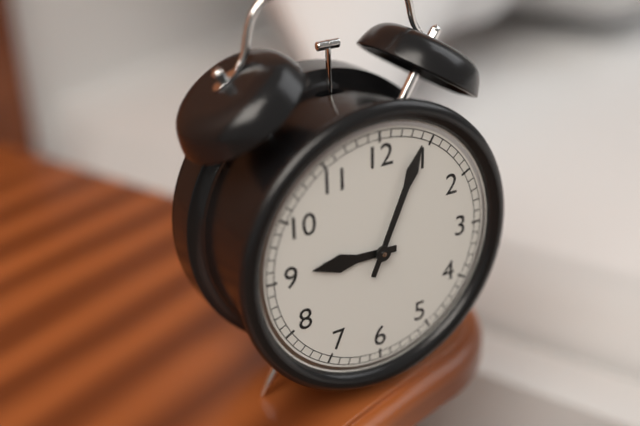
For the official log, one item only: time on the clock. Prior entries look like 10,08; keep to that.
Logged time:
9,04
